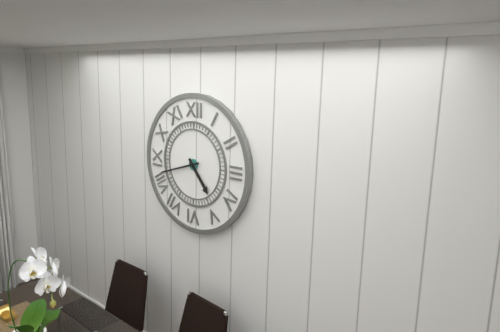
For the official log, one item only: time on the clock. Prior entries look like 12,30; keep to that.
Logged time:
4,42
